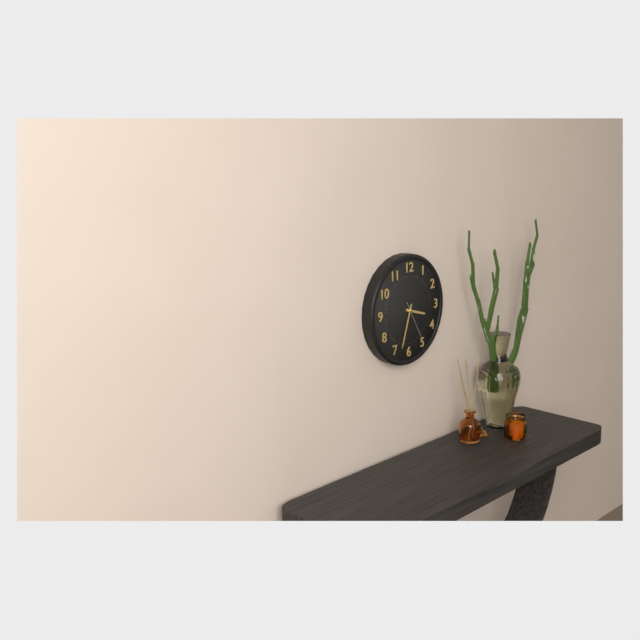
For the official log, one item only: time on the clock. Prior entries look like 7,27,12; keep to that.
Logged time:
3,33,25
